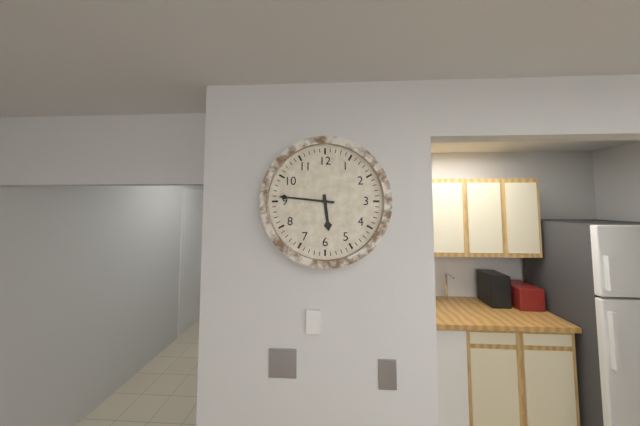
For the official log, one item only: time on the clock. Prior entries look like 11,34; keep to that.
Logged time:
5,46
